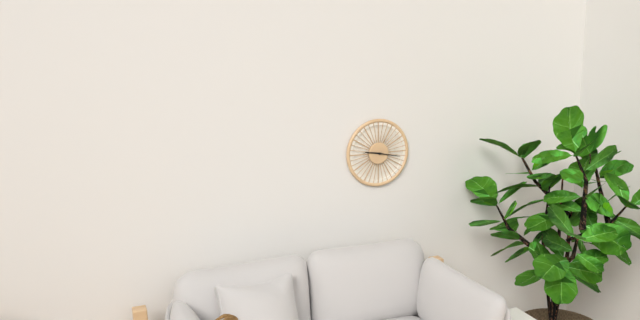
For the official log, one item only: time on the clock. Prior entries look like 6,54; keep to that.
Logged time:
9,17
